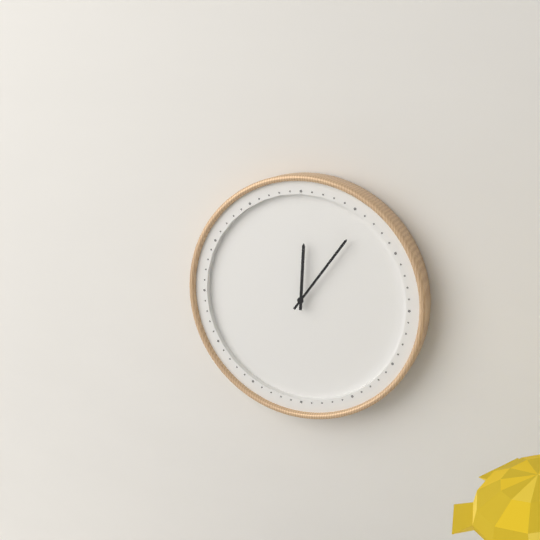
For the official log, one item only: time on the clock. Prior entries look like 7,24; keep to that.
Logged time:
12,06
